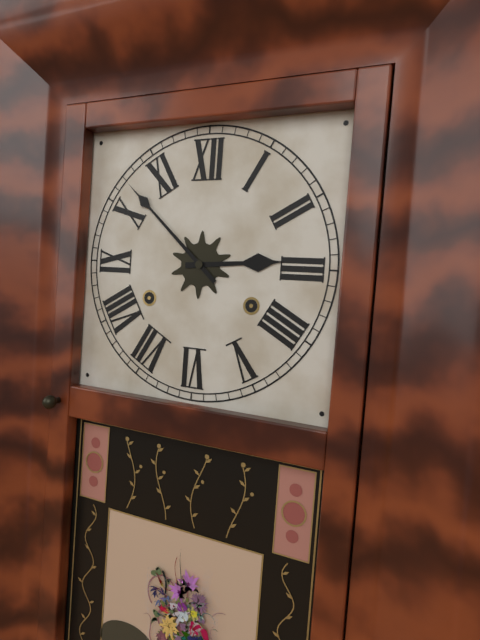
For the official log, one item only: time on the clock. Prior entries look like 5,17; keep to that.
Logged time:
2,52
